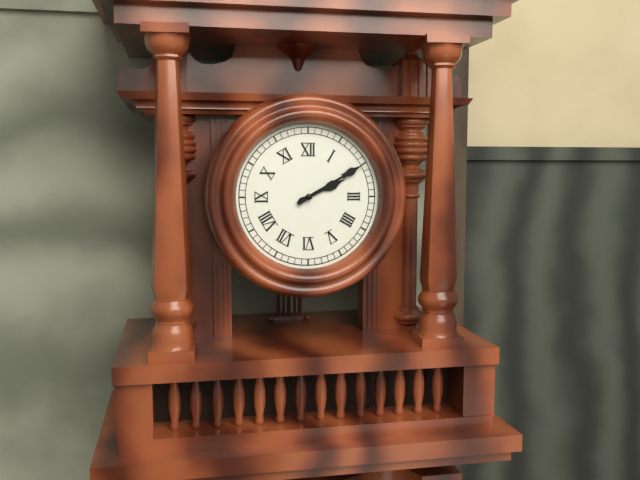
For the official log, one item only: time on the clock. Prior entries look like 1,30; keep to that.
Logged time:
2,10
